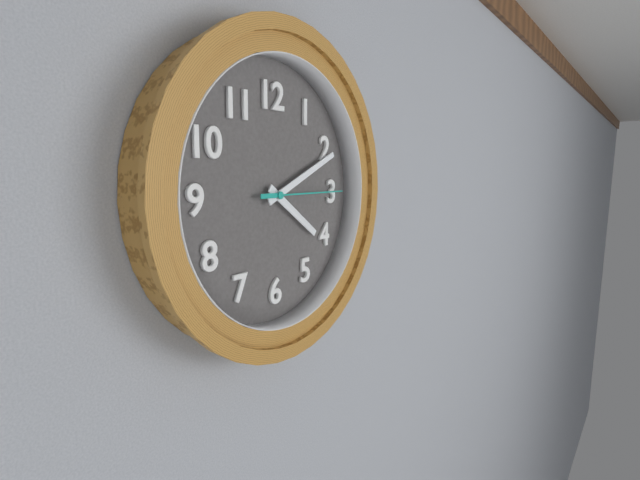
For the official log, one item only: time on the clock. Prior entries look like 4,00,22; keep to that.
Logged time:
4,11,15
